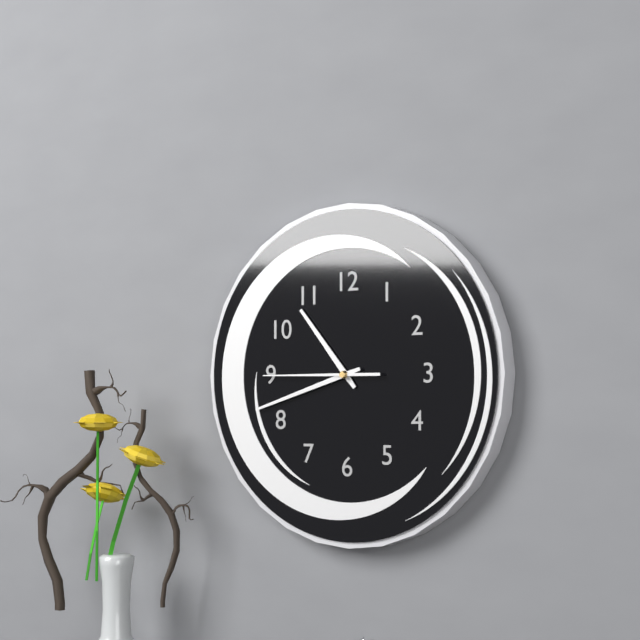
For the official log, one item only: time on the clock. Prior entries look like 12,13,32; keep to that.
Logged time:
10,42,45
